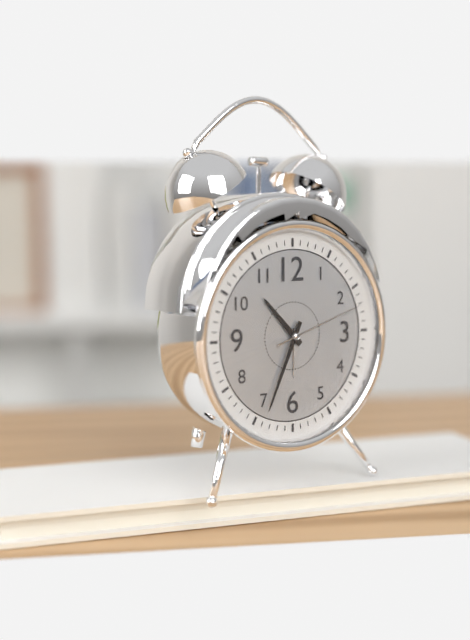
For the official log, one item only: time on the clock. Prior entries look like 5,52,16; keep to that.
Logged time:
10,34,12
